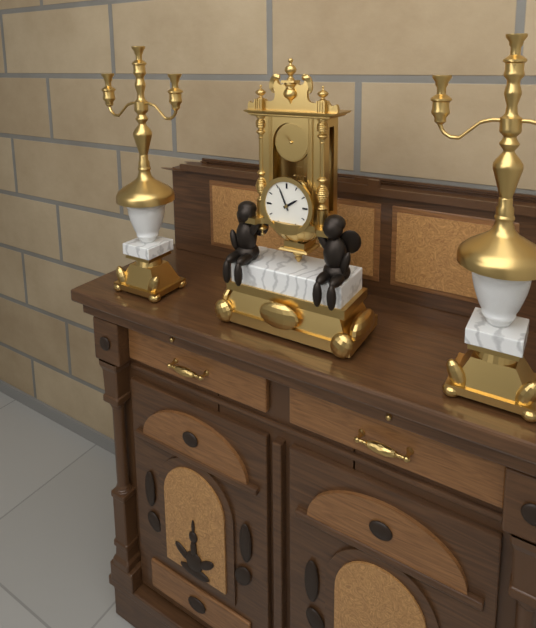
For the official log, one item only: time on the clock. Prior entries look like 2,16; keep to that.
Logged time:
1,56
